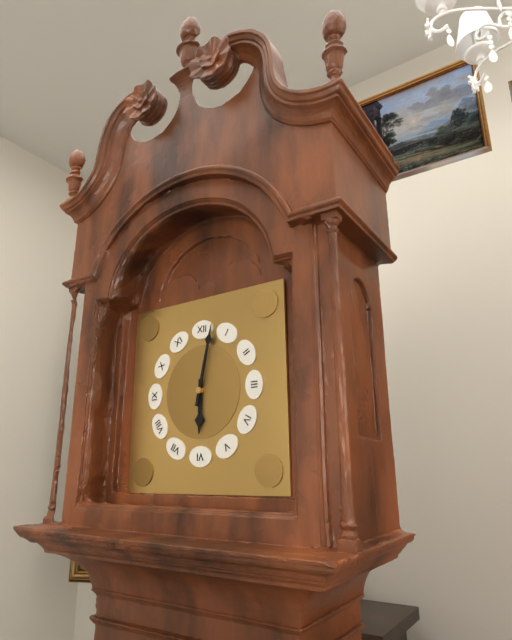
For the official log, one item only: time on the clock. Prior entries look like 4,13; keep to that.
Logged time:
6,02
